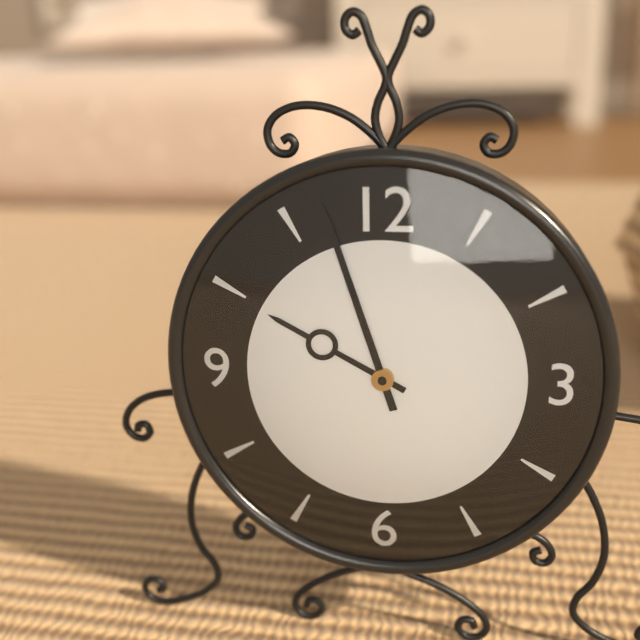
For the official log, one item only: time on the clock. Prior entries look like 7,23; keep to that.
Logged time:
9,57
